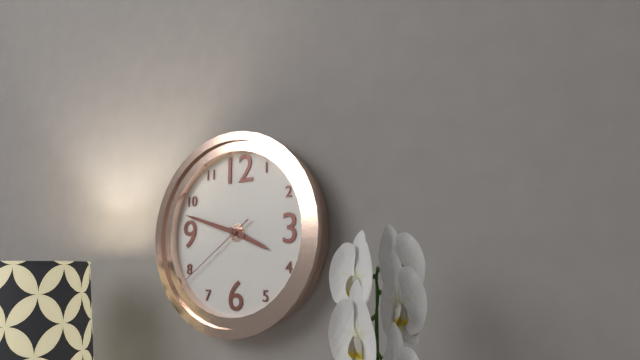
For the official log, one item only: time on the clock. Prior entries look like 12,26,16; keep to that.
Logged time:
3,48,39
